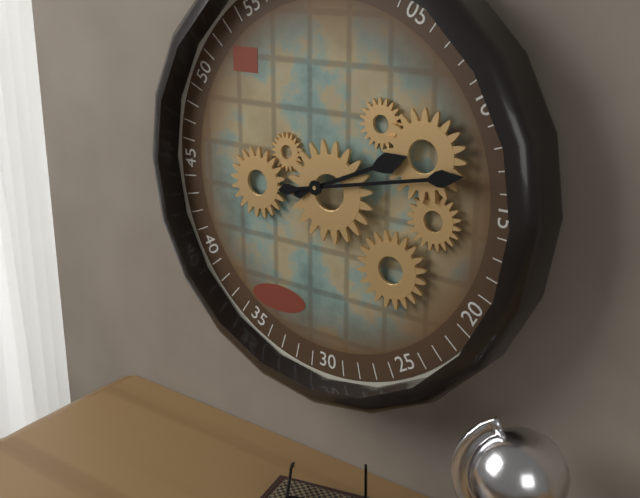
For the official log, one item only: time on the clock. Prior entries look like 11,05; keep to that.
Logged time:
2,13
